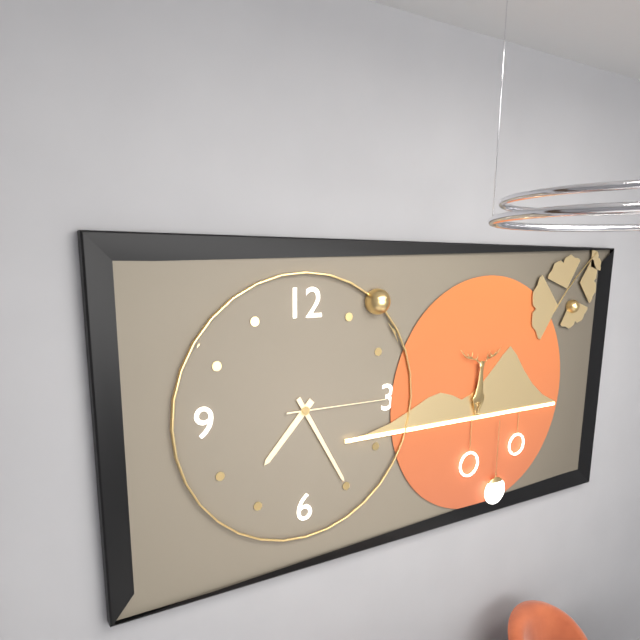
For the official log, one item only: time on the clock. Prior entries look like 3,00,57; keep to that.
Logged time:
7,25,15
